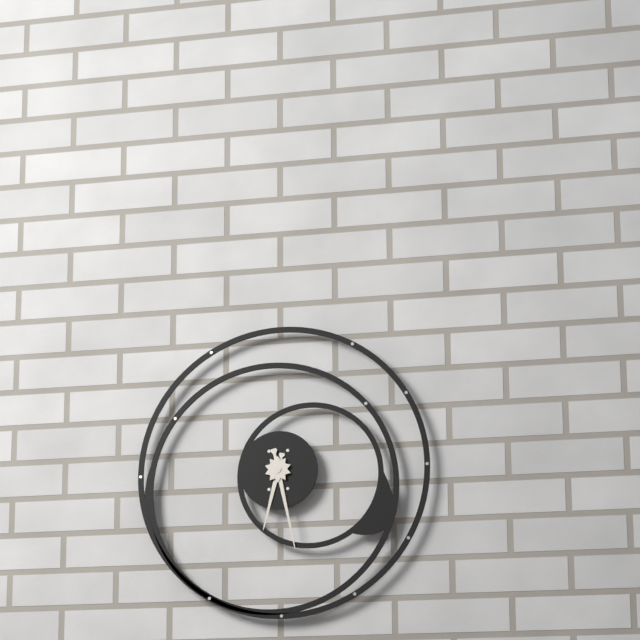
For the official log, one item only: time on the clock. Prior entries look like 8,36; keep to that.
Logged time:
6,28
